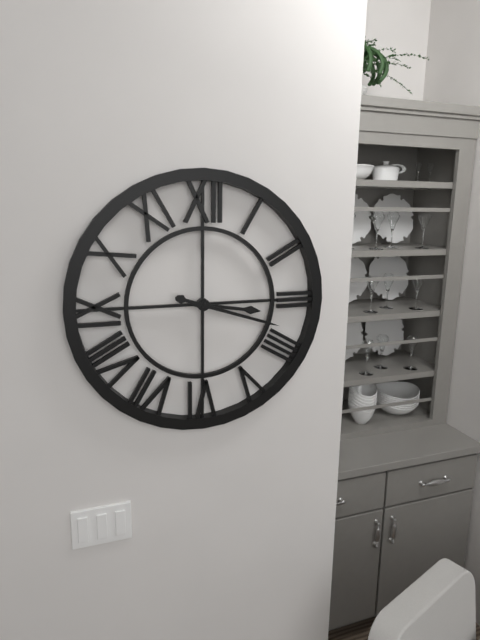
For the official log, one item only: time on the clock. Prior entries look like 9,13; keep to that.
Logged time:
3,18
